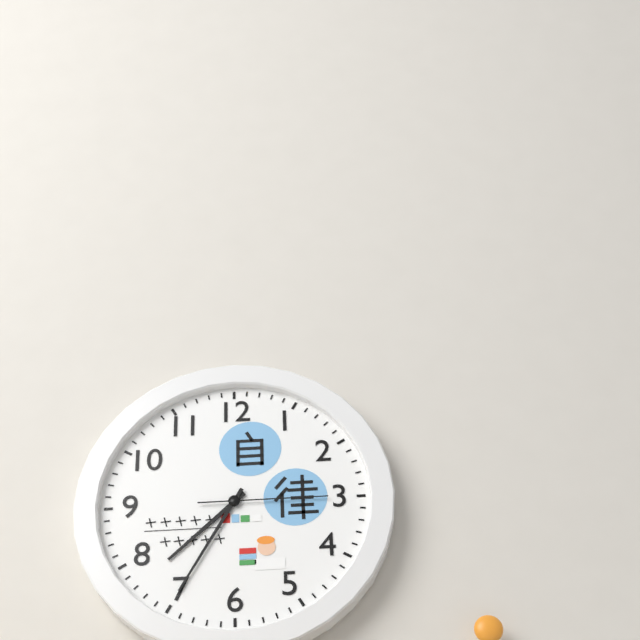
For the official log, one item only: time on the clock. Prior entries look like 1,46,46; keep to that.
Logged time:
7,35,15
